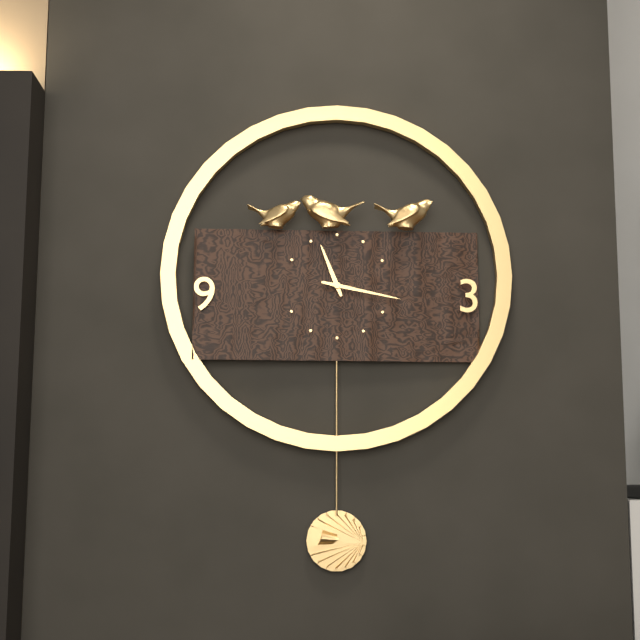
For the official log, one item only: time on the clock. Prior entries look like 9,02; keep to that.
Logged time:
11,17
